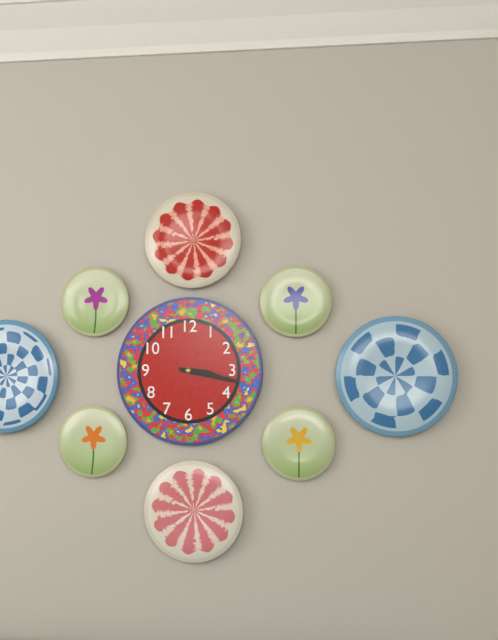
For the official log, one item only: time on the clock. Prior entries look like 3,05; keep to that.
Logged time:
3,17
